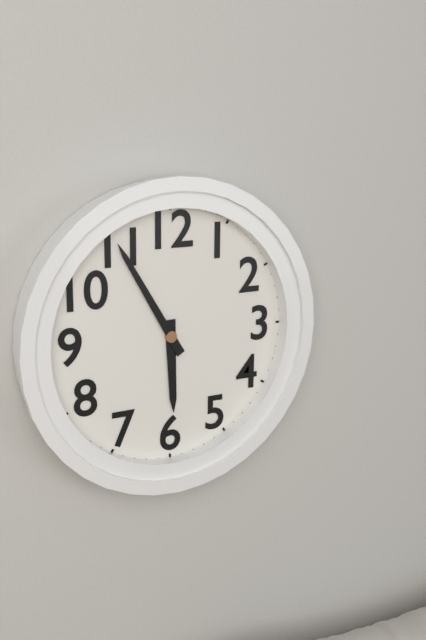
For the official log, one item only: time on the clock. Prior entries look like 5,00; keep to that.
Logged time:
5,55
